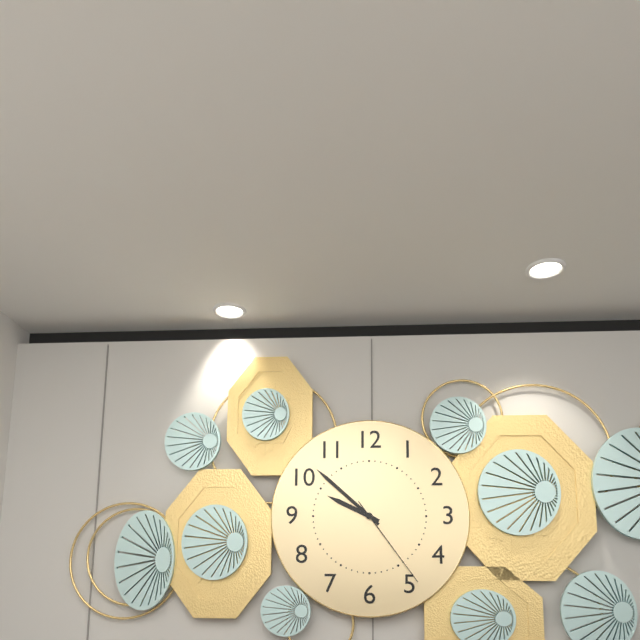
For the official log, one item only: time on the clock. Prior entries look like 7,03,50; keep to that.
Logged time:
9,52,24
